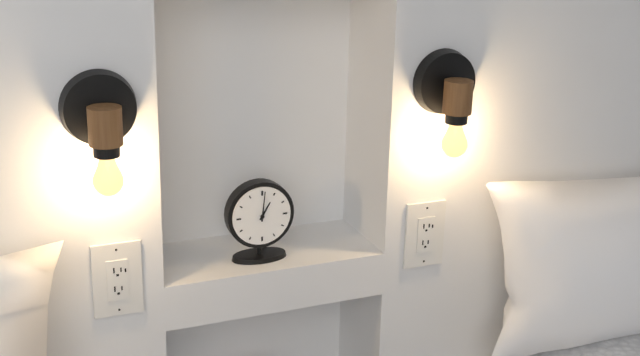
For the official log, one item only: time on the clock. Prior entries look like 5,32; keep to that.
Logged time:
1,01
